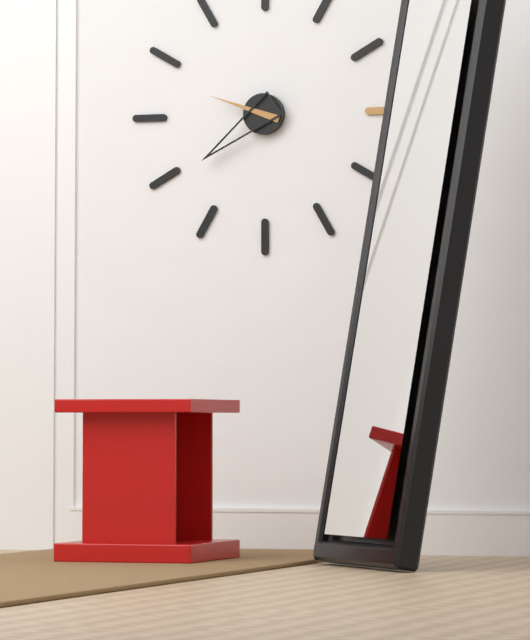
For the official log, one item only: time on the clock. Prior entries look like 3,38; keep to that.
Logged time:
9,39
